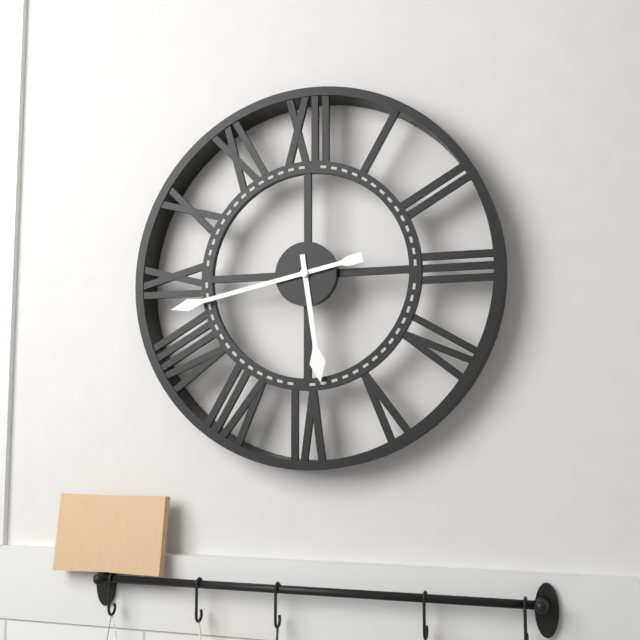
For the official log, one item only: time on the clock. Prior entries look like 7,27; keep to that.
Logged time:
5,43
